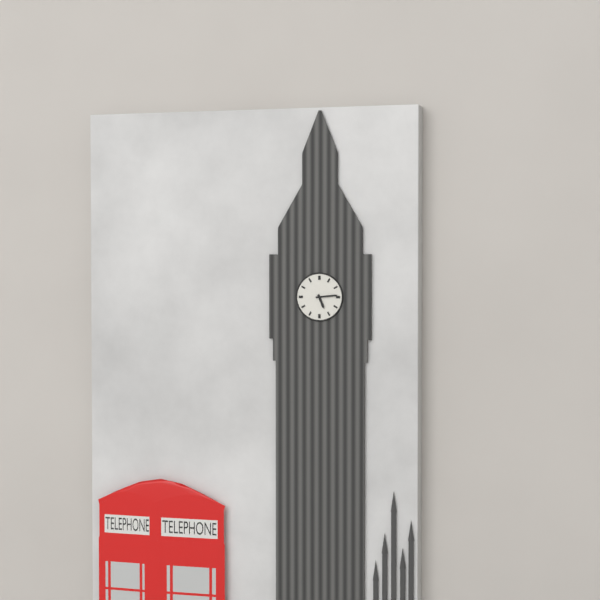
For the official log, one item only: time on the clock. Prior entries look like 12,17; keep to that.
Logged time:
5,14
